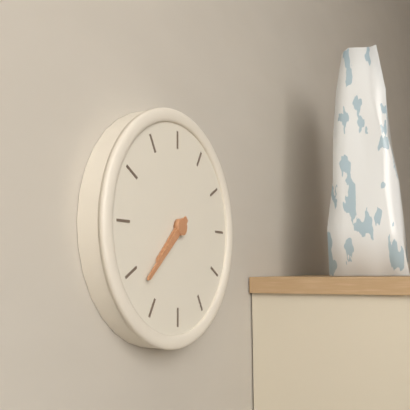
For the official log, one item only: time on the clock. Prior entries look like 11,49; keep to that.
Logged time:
7,38
